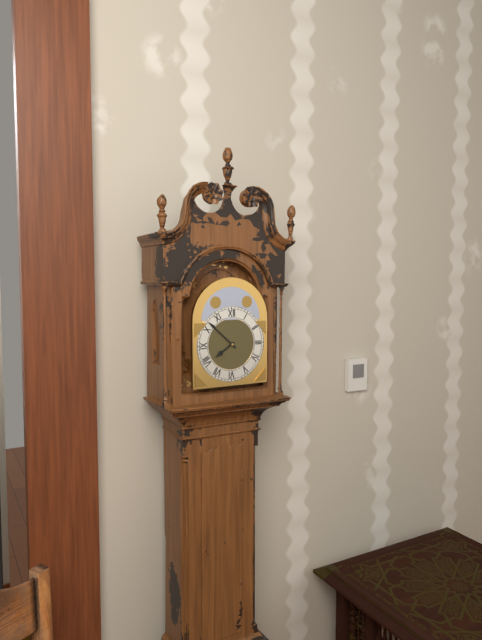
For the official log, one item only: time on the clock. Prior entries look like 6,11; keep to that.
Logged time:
7,52
